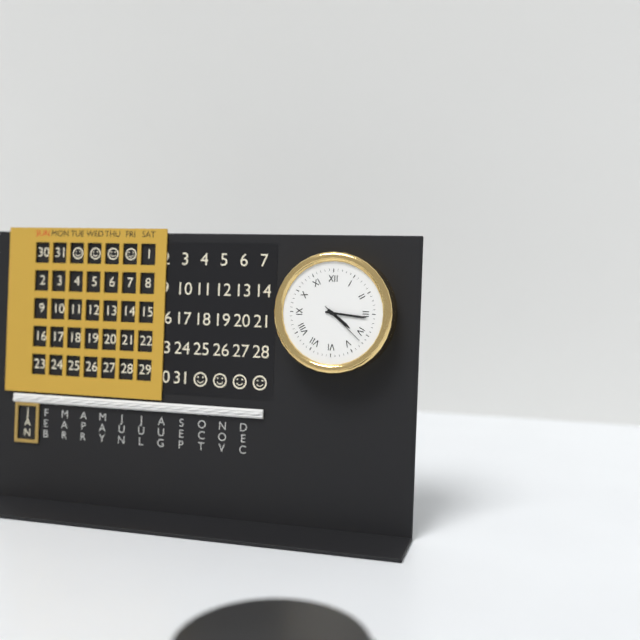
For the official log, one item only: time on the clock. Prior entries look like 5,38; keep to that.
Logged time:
4,16
